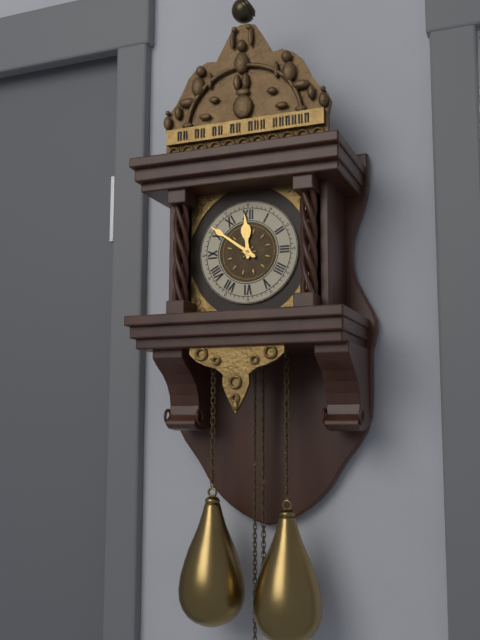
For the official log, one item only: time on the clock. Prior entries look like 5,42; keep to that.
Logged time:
11,51
